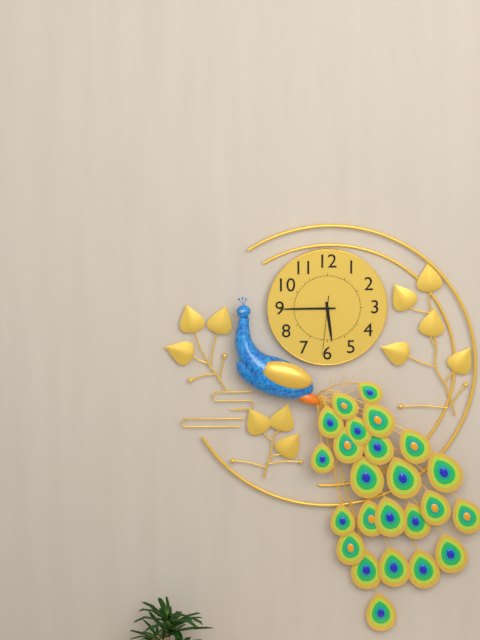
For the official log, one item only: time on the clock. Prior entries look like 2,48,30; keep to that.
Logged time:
5,45,31
